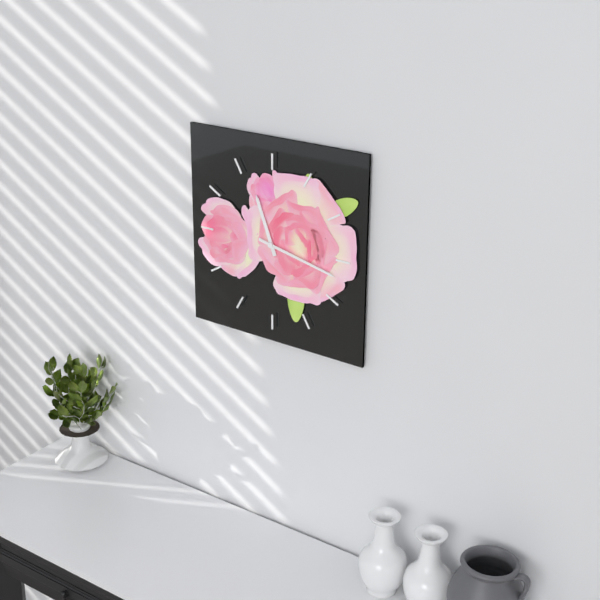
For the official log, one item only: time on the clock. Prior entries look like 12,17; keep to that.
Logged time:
11,17
